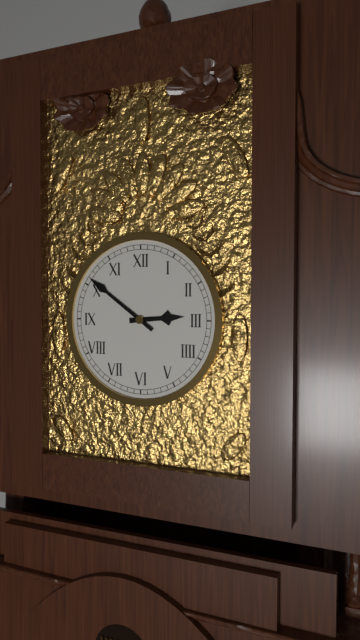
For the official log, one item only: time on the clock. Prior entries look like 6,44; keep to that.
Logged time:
2,51
